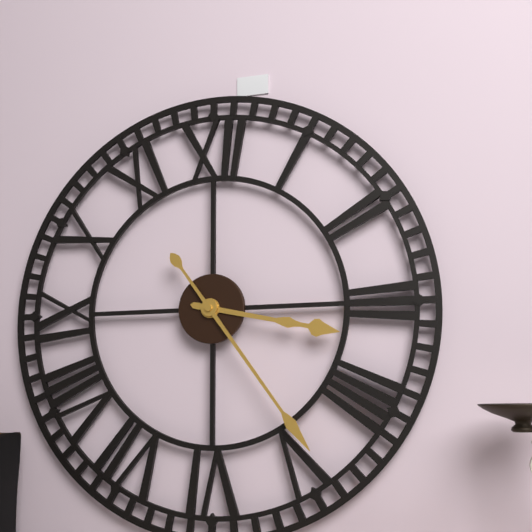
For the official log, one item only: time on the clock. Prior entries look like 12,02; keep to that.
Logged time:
3,24
